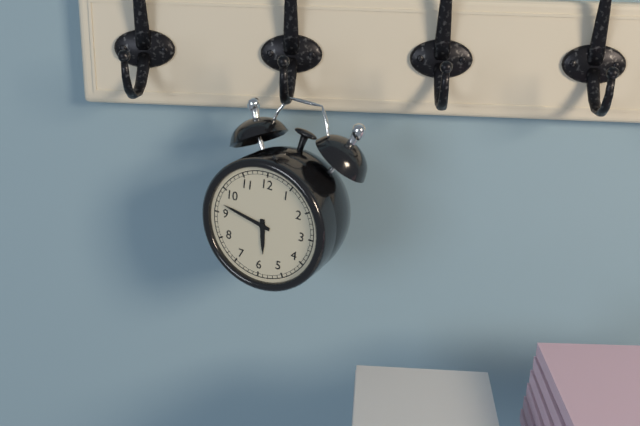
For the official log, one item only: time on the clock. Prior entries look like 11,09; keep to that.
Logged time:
5,47
